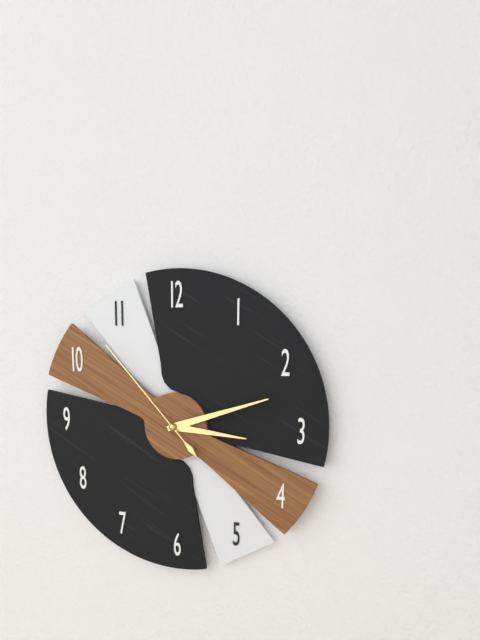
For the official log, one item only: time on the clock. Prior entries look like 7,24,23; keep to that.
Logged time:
3,12,53
